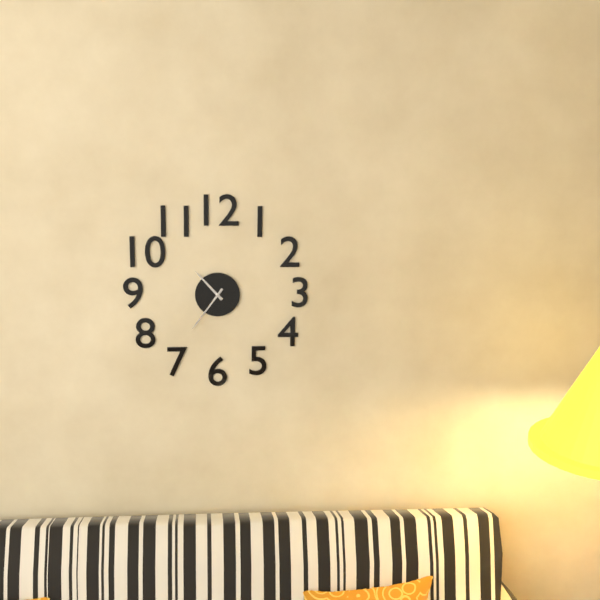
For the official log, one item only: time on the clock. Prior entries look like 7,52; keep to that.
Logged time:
10,36
